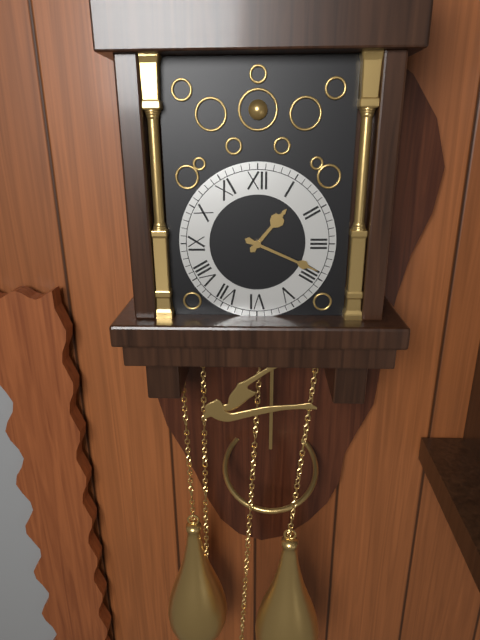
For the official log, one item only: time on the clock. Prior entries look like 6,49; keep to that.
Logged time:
1,19
